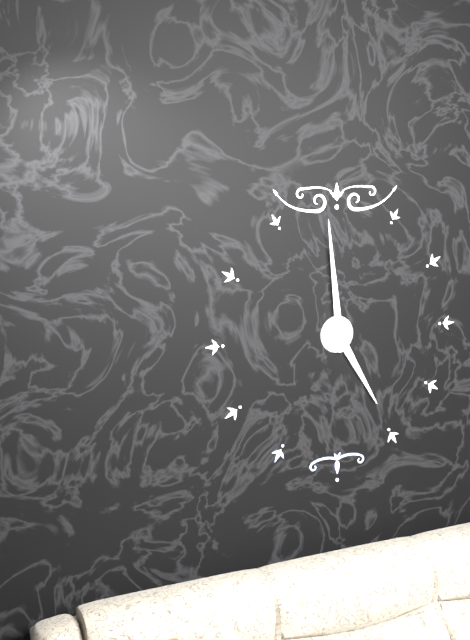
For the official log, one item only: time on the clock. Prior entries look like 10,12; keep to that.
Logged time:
4,59
